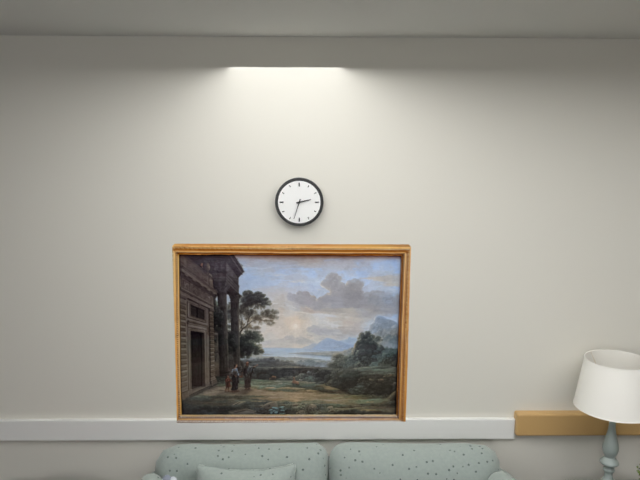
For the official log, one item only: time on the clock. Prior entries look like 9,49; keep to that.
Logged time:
2,33
